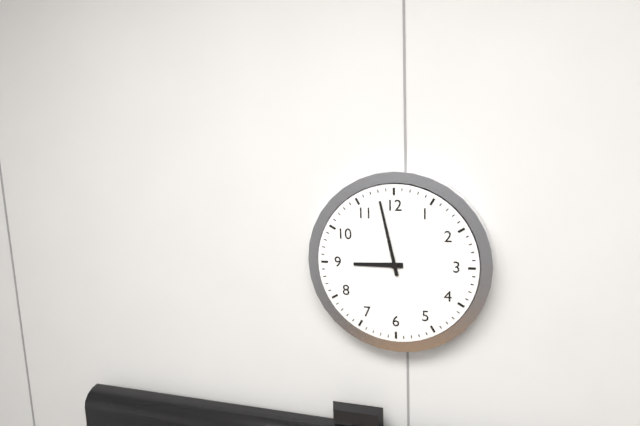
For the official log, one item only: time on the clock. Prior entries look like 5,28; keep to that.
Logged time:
8,58
